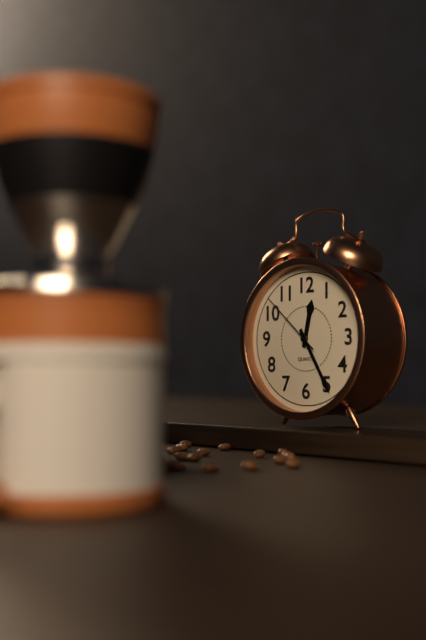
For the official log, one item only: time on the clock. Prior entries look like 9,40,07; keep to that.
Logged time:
12,25,52
